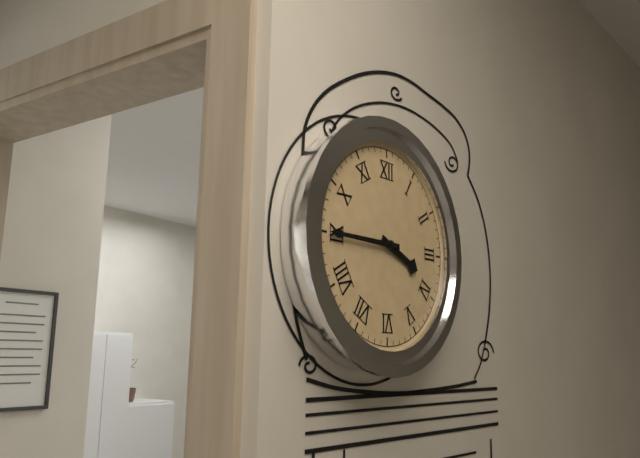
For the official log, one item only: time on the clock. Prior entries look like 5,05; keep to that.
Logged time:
3,45
